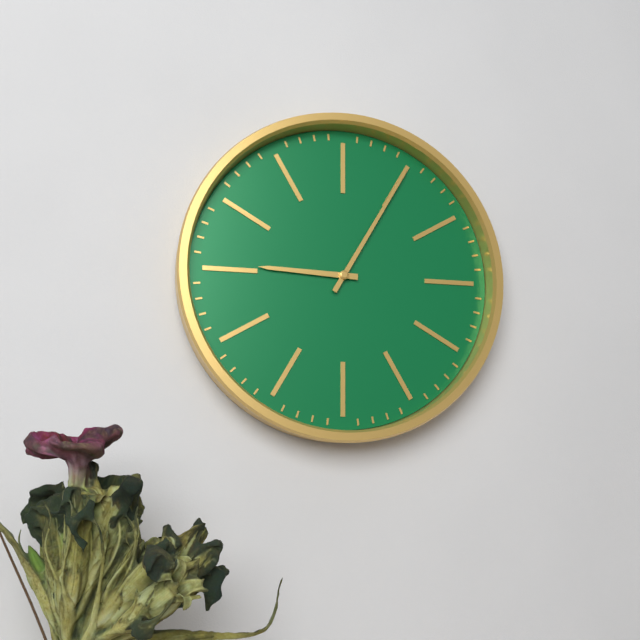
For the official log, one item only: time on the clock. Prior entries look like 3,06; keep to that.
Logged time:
9,05
